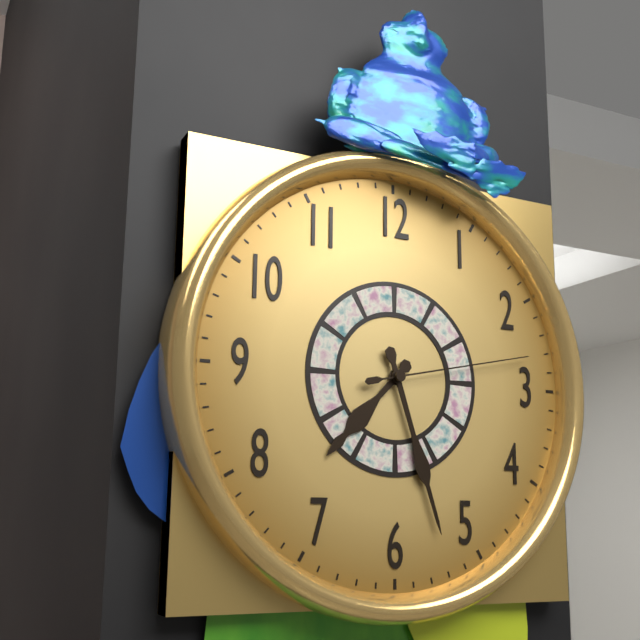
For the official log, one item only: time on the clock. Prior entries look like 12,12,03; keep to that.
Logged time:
7,27,13
